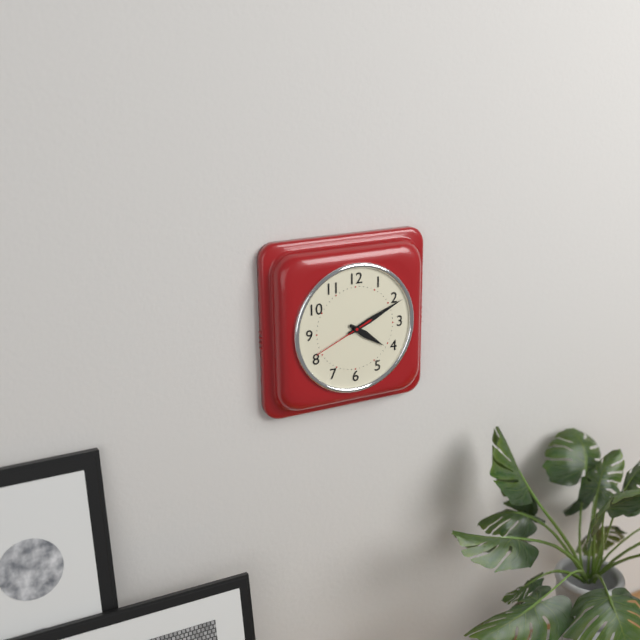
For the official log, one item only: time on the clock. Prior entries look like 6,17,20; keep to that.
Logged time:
4,11,41
